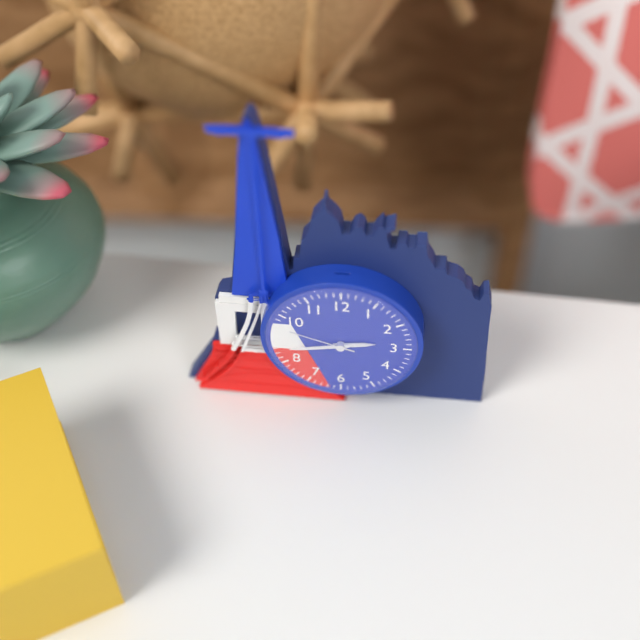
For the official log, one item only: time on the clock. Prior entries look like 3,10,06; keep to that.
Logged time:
2,43,48
